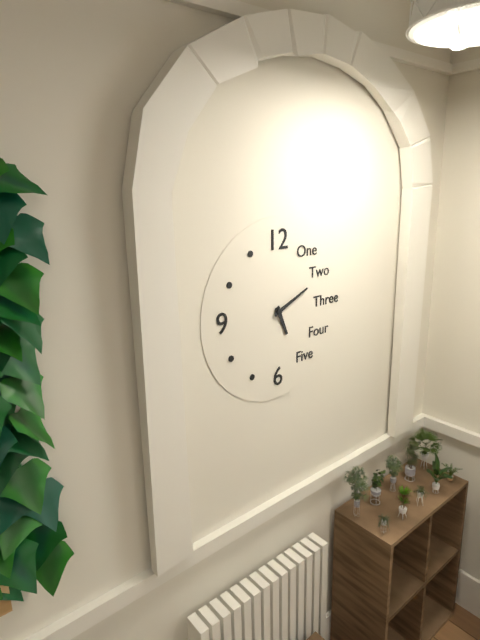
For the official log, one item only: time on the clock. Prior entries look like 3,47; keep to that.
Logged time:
5,11
